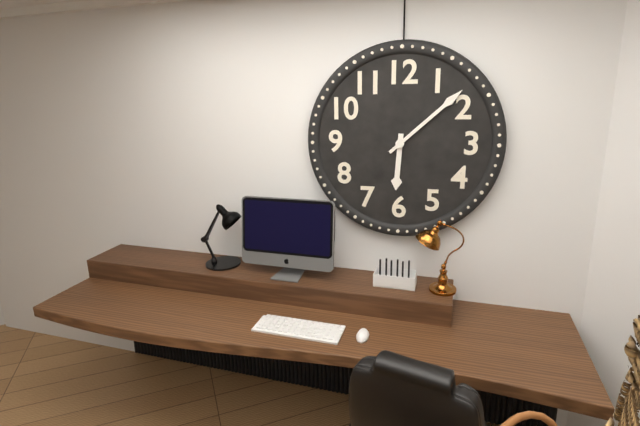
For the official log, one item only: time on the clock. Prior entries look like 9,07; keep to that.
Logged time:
6,08
